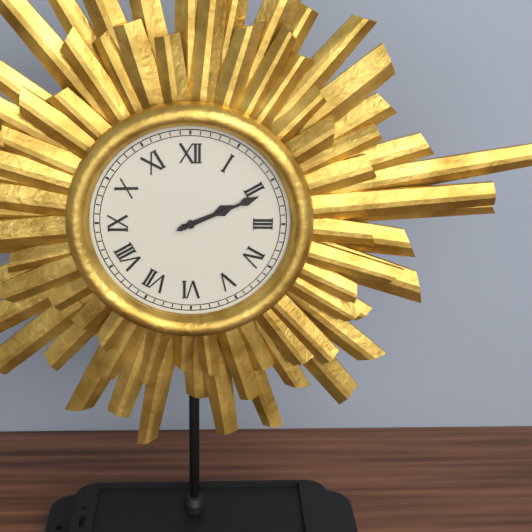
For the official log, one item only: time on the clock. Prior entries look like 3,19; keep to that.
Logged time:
2,11
